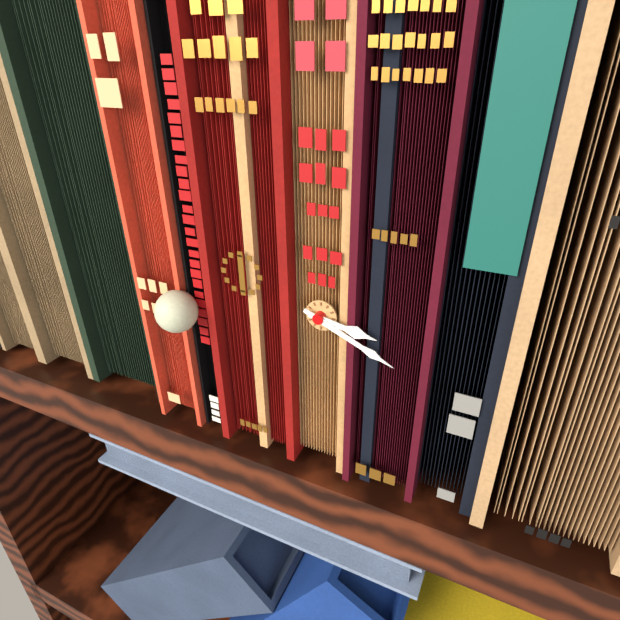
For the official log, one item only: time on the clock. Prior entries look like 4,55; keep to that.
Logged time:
3,19
